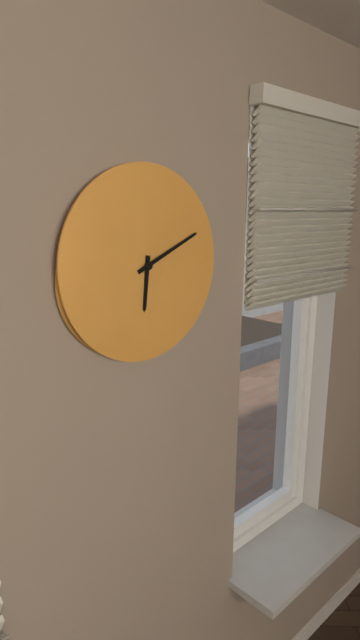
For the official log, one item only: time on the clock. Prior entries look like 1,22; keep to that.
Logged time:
6,11
